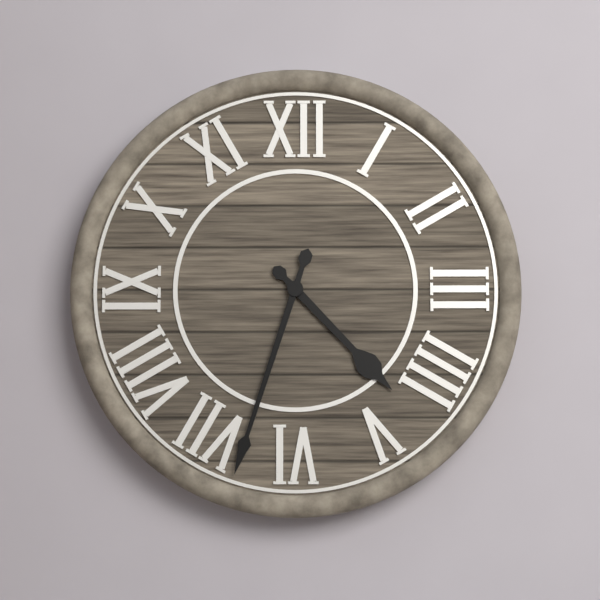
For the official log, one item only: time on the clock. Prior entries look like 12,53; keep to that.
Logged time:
4,33
